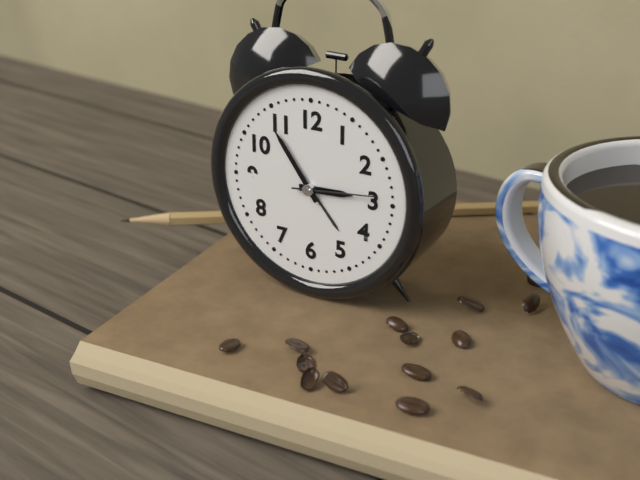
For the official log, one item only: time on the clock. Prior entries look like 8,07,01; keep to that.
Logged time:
2,54,14
